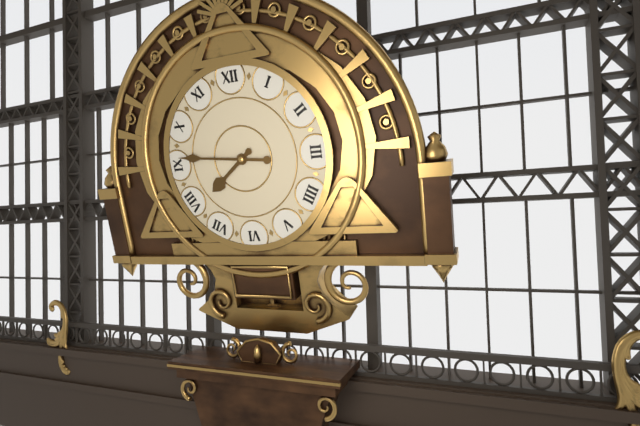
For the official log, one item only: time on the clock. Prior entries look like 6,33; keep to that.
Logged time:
7,46
